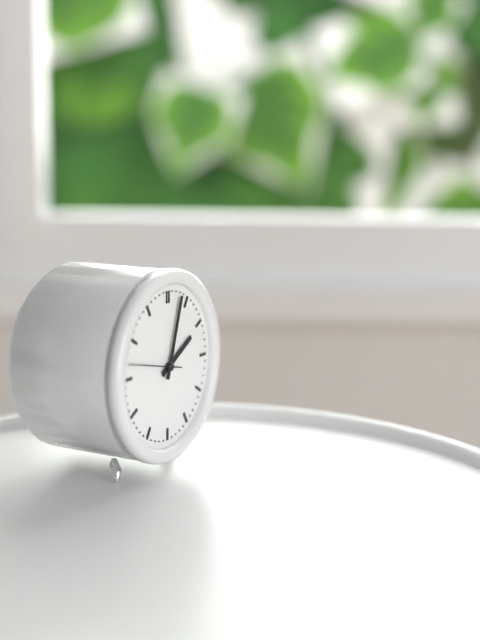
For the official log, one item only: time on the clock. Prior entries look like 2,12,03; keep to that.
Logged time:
2,03,47
